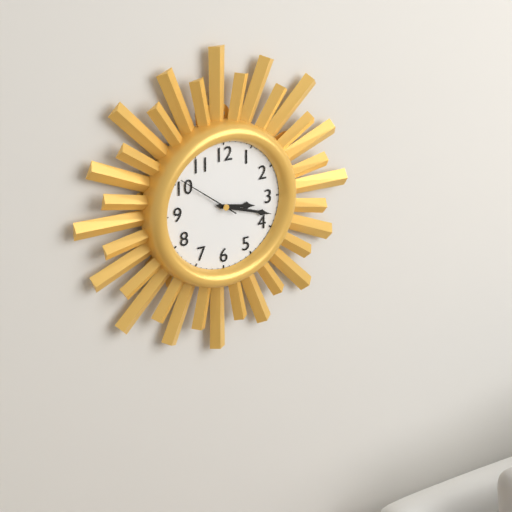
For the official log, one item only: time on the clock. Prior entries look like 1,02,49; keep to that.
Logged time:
3,18,51
